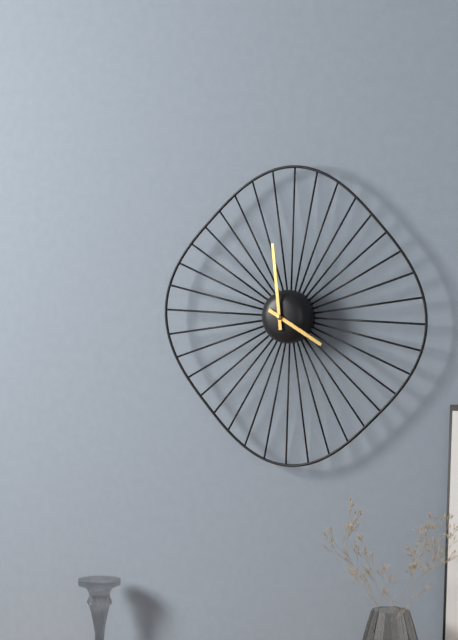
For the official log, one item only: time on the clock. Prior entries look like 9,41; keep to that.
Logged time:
3,59
